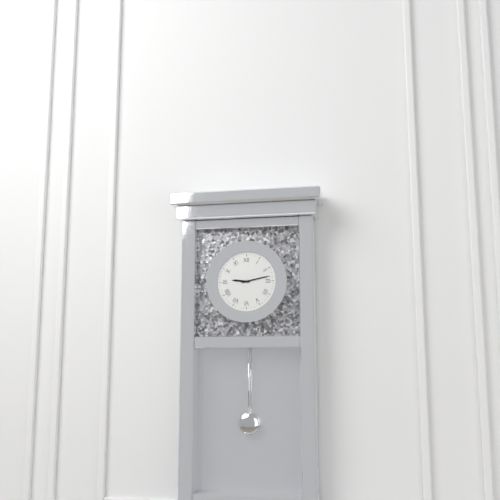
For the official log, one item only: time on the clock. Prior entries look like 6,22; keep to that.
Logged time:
9,13
